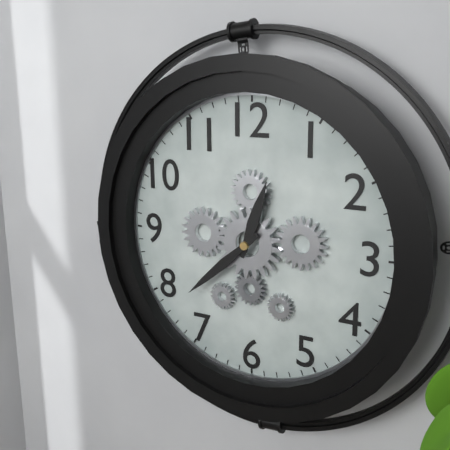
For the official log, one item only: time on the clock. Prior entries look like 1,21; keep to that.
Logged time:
12,38
